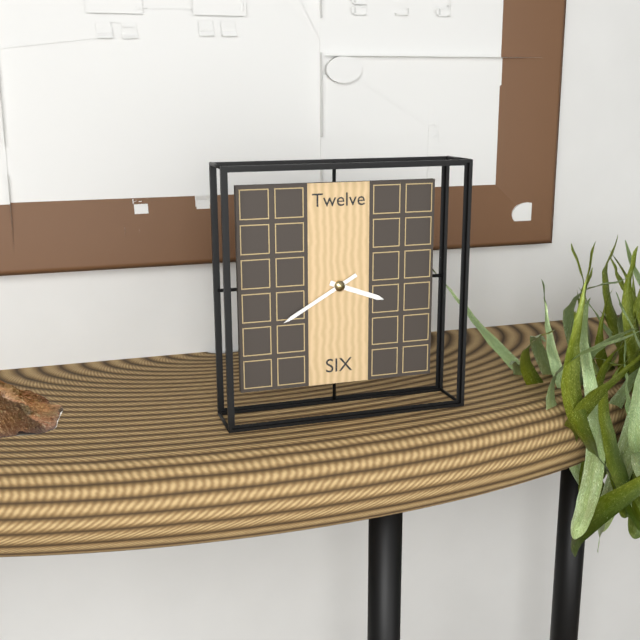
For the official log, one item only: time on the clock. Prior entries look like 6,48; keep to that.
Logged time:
3,40
